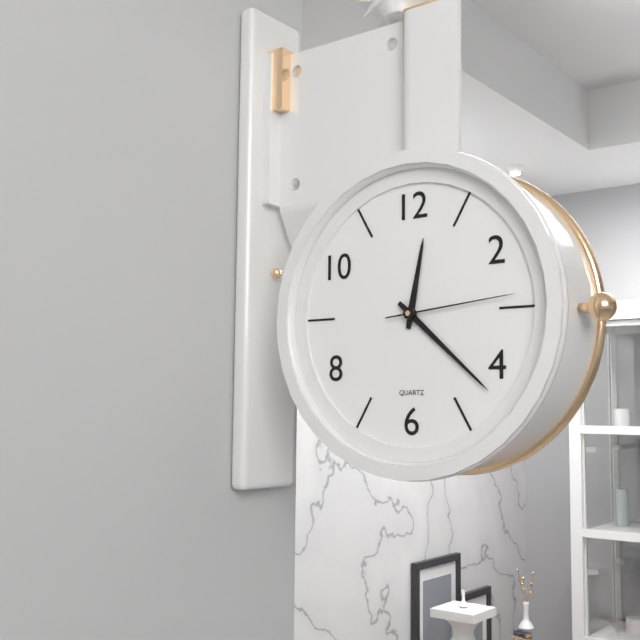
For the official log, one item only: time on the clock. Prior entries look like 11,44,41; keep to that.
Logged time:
12,22,14
